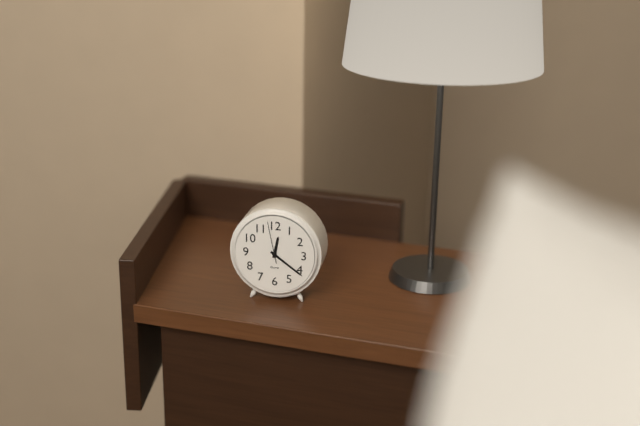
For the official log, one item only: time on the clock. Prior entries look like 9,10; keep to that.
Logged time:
12,21
